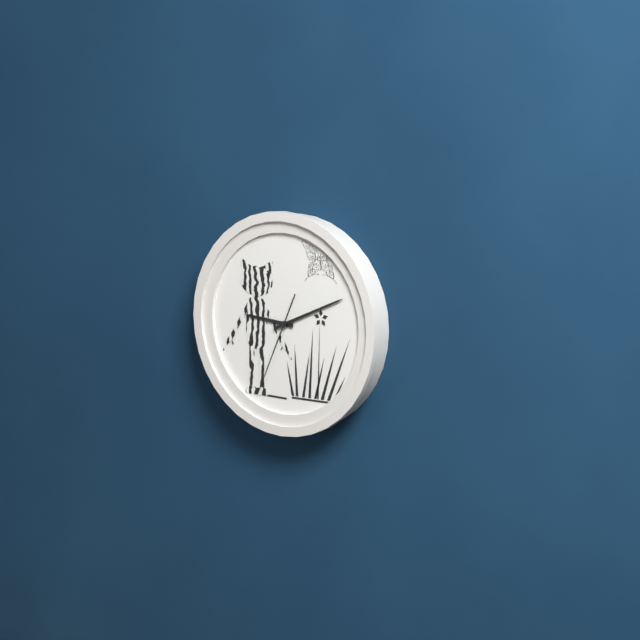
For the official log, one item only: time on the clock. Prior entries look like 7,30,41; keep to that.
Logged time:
9,11,34
